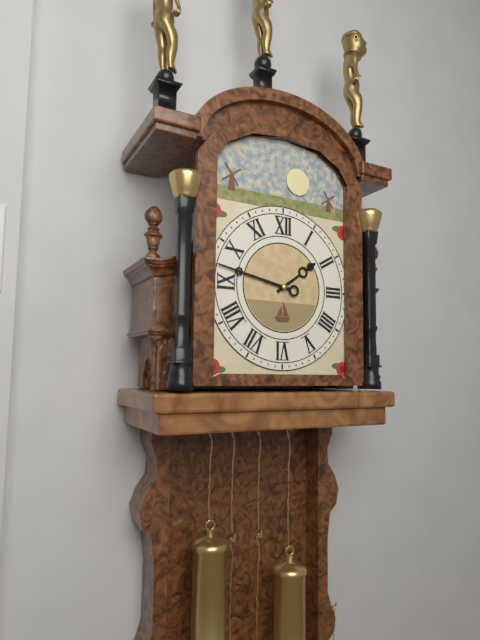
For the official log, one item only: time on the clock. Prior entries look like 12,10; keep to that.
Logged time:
1,47
